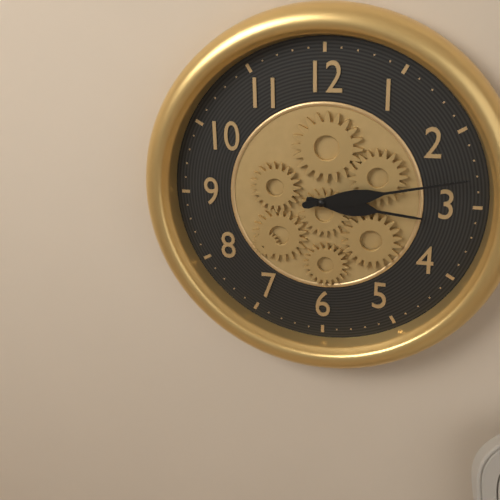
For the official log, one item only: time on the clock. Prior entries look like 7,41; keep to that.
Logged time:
3,13
